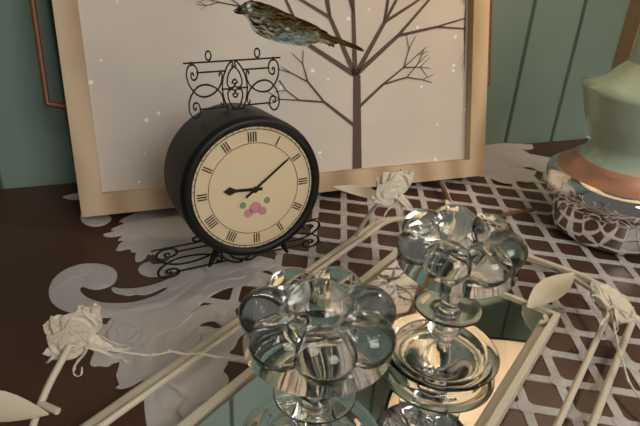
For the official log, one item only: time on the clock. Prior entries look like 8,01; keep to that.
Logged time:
9,09
